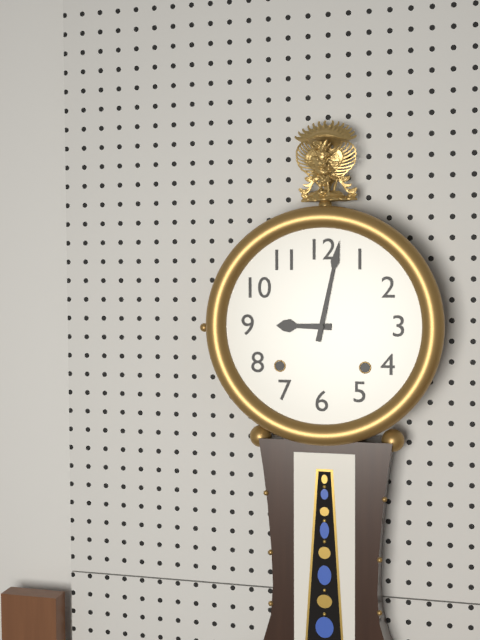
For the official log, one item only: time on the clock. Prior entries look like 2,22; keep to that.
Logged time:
9,02
